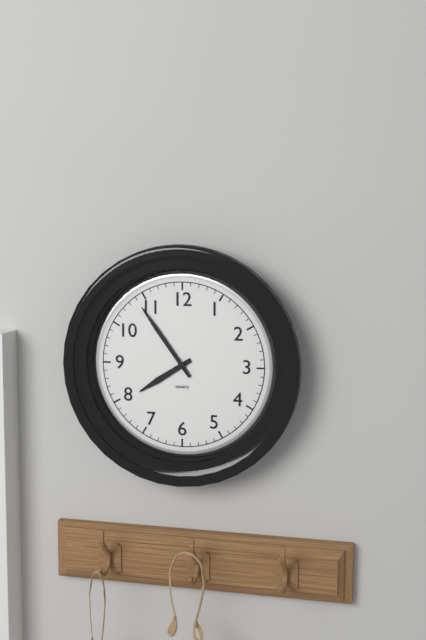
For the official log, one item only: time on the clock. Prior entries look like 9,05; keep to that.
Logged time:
7,54
